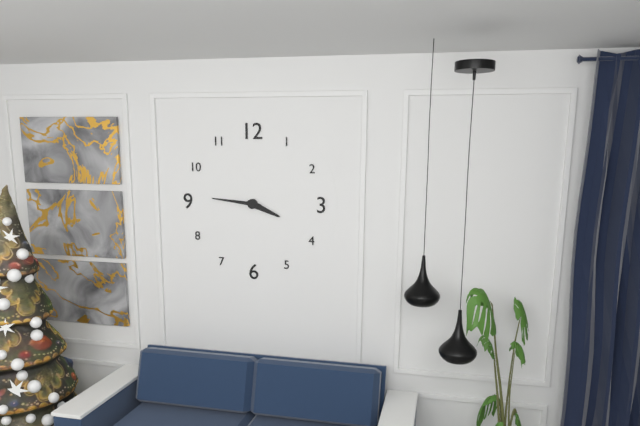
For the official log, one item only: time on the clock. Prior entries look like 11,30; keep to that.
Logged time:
3,46
